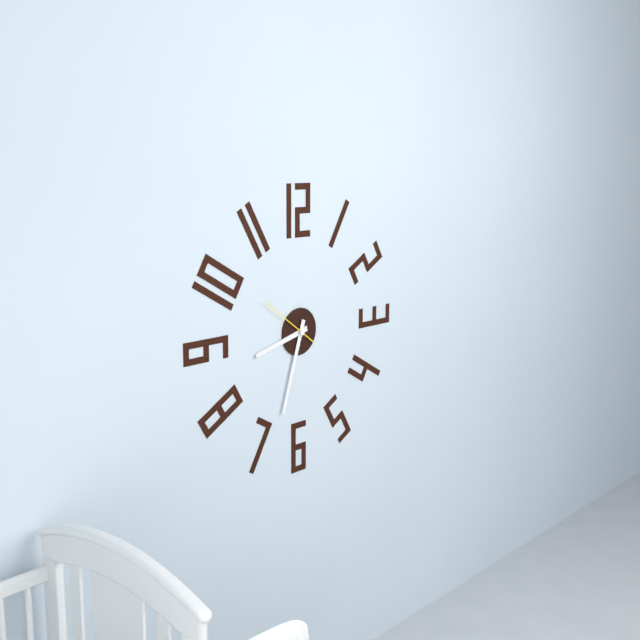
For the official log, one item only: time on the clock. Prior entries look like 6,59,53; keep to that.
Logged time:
8,33,51
